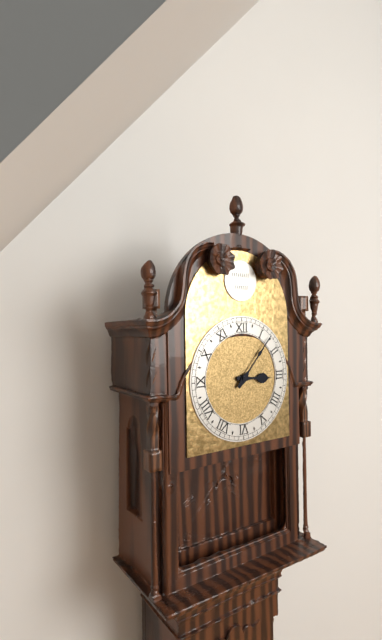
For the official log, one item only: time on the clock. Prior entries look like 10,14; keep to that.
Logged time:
3,07
